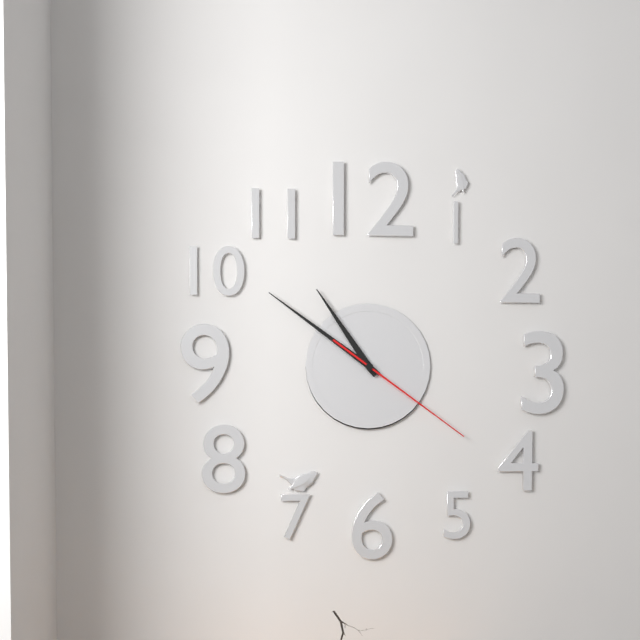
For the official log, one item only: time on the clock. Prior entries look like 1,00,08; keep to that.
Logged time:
10,51,21
